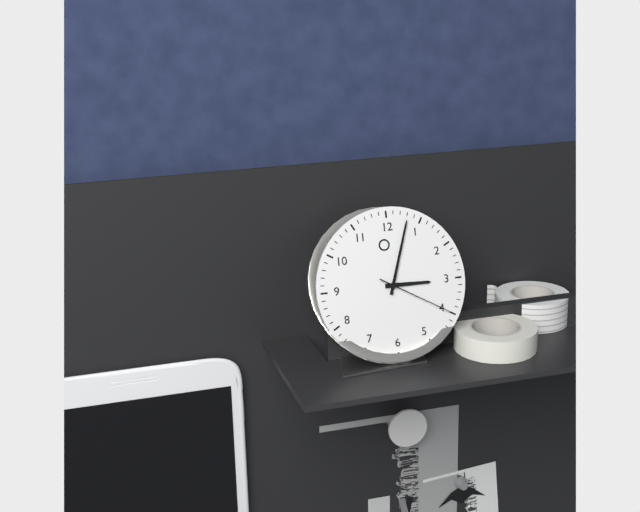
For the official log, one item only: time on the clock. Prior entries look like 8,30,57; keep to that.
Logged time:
3,03,20
